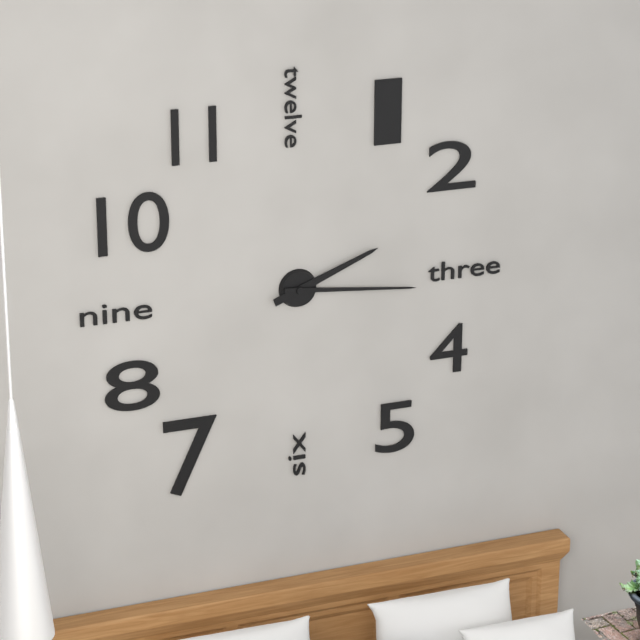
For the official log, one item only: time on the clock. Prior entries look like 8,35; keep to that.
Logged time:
2,16
